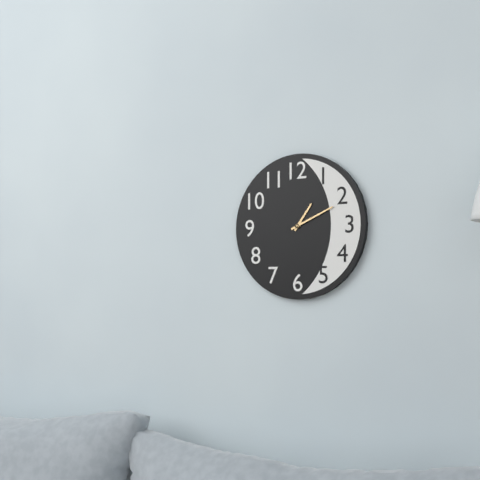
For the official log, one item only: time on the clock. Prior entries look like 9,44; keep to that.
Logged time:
1,11
